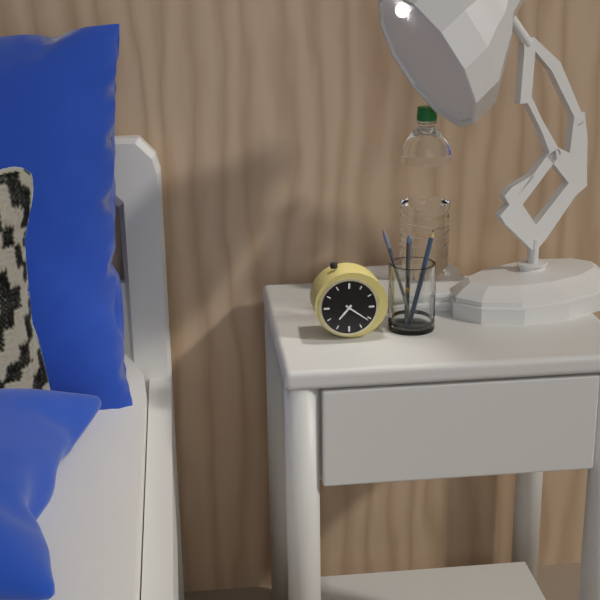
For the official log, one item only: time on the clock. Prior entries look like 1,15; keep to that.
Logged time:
7,21
